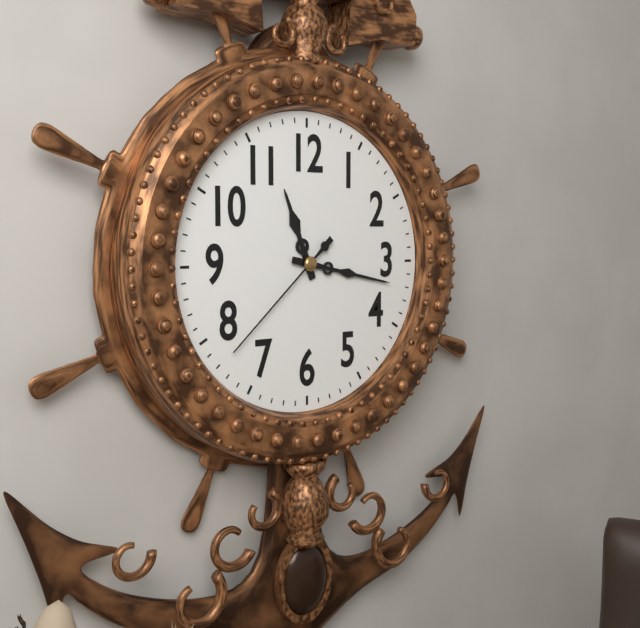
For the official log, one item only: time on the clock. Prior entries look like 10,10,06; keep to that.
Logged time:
11,17,38
